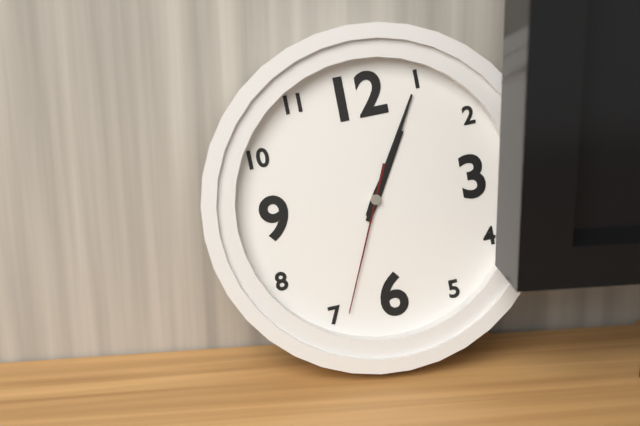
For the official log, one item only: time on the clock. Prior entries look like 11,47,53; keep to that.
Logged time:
1,05,34
